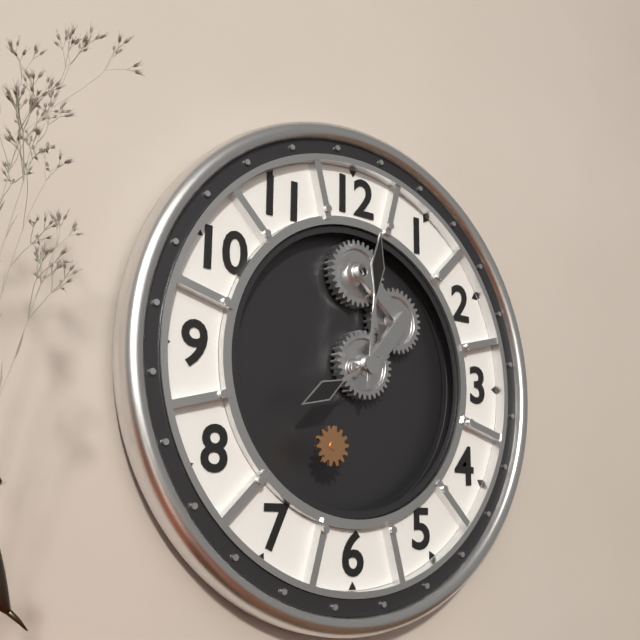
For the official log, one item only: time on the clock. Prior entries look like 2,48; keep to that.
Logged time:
8,01
